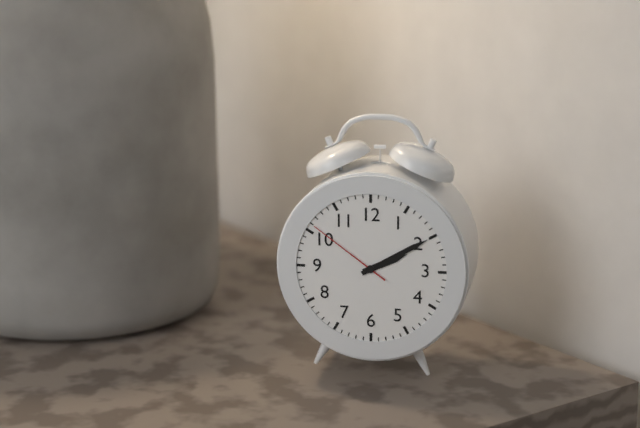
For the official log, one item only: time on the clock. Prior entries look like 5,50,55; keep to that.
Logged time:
2,10,51
